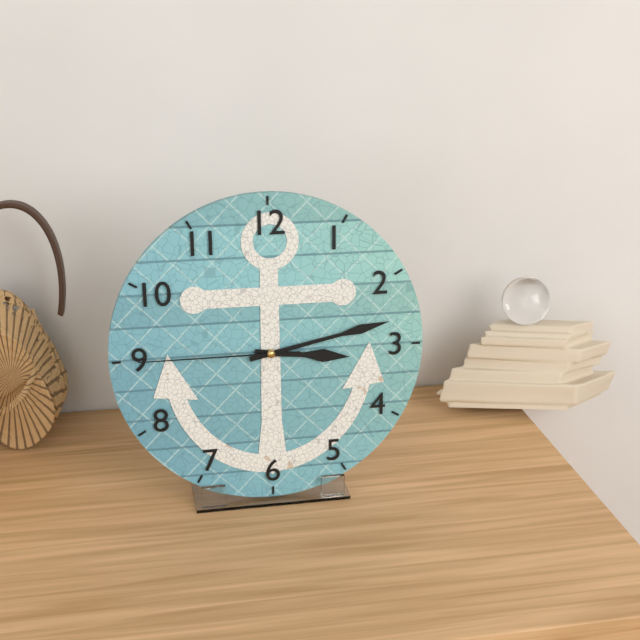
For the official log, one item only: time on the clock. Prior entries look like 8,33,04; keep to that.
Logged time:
3,13,45
